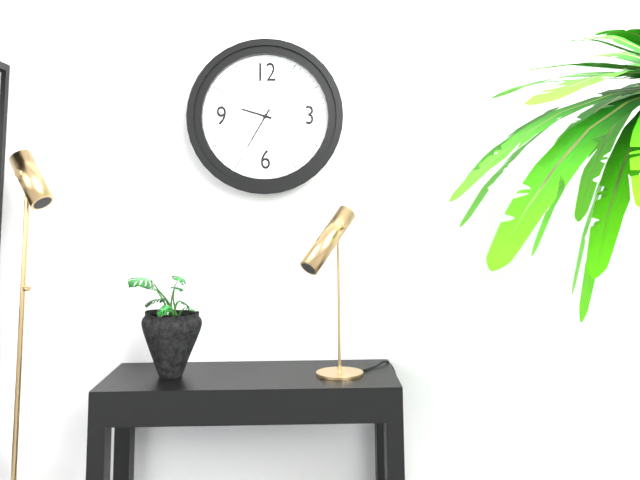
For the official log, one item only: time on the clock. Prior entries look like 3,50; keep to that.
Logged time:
9,35
